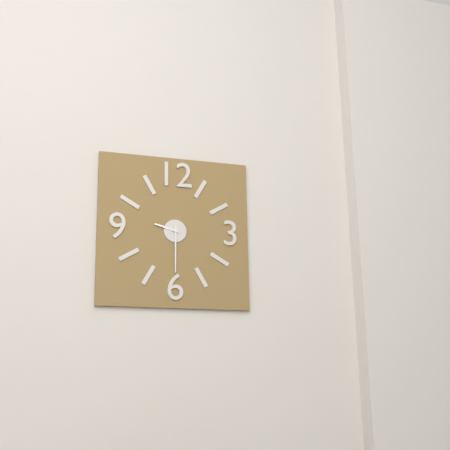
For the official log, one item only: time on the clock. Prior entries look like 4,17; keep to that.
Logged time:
9,30
